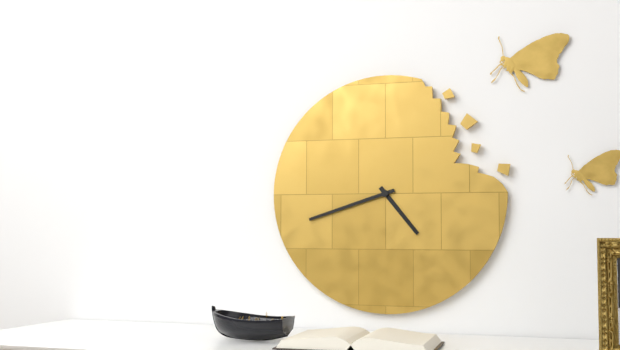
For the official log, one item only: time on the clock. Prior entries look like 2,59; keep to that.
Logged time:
4,42
